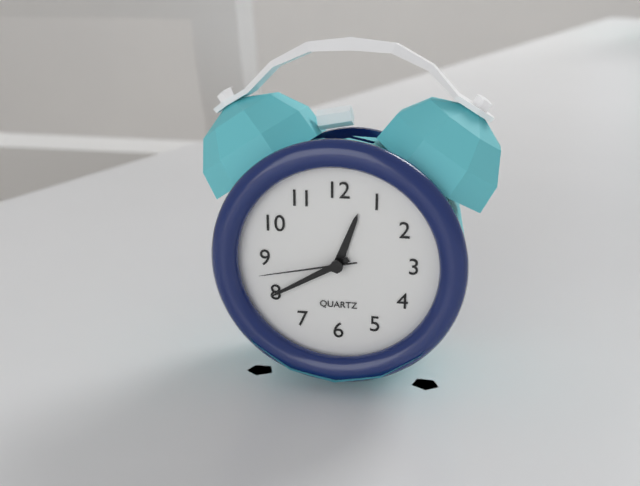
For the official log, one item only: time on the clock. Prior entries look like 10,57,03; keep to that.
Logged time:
12,40,43
